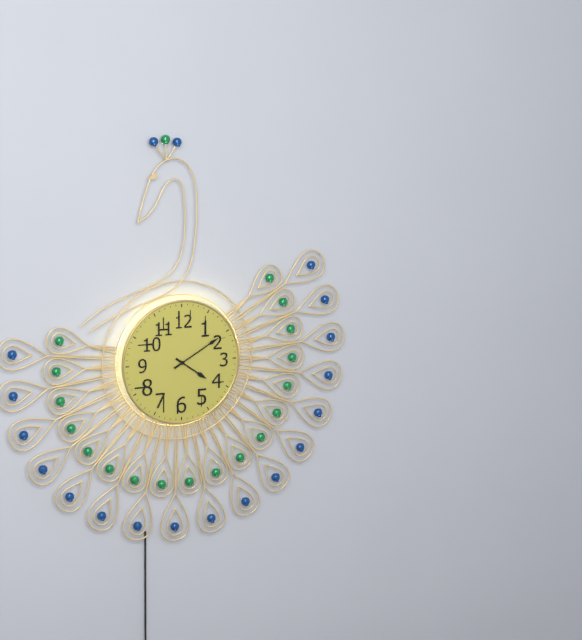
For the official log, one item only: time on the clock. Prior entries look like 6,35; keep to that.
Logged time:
4,10
